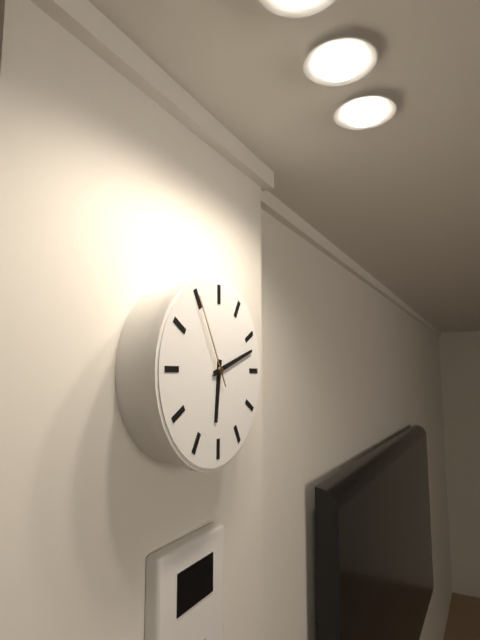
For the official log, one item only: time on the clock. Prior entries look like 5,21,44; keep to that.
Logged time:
6,12,55
